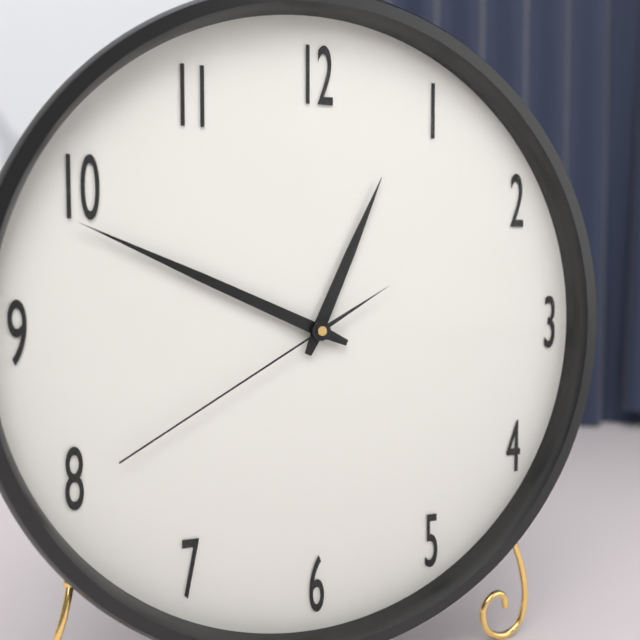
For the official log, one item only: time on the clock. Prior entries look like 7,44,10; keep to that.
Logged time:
12,49,40
